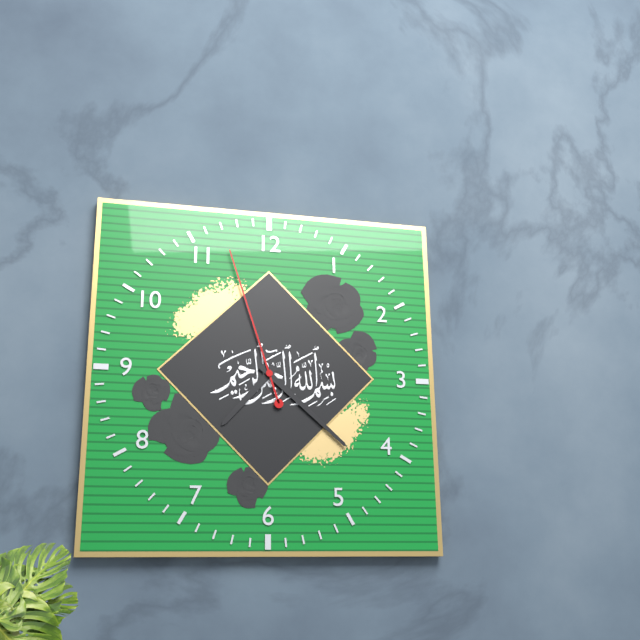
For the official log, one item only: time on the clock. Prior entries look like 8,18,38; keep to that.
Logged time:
7,22,57
